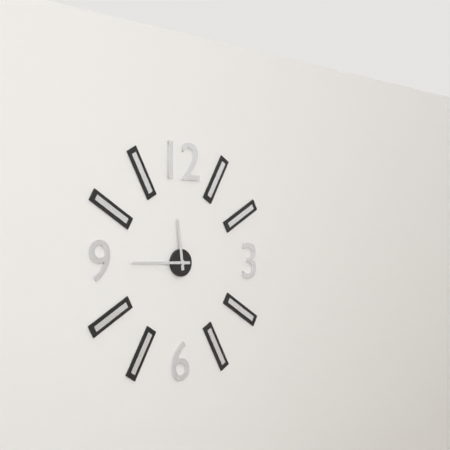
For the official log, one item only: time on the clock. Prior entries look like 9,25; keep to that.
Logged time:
11,45
